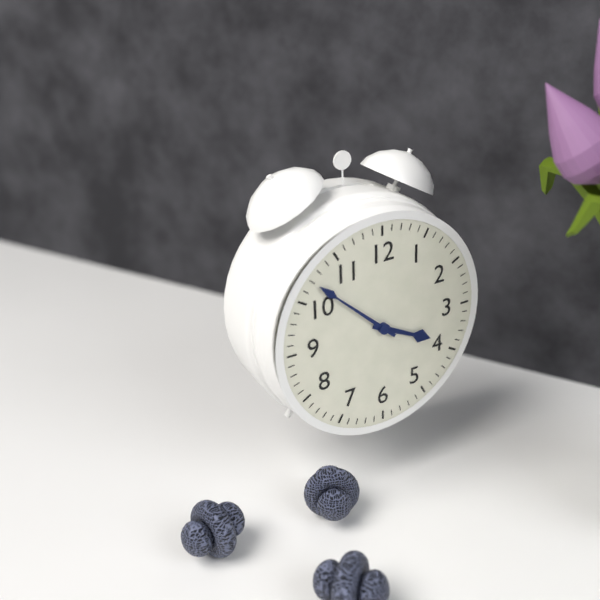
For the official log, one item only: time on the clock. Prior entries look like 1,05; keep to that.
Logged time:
3,52
